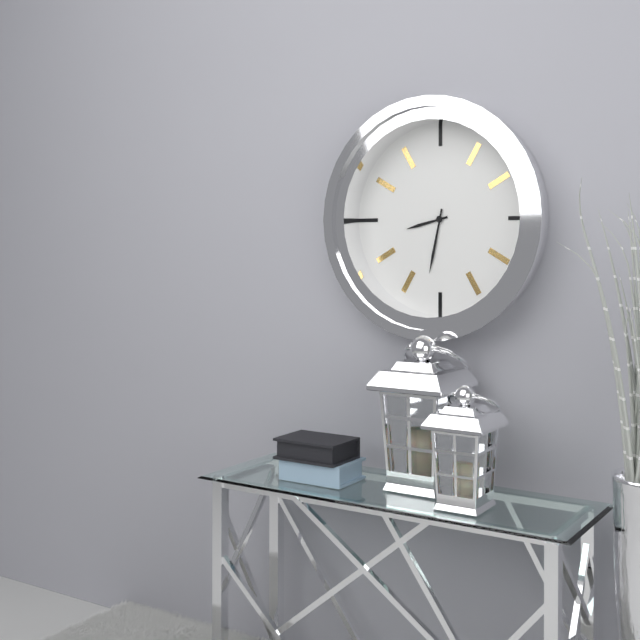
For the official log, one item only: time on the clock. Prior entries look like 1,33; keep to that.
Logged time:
8,32
